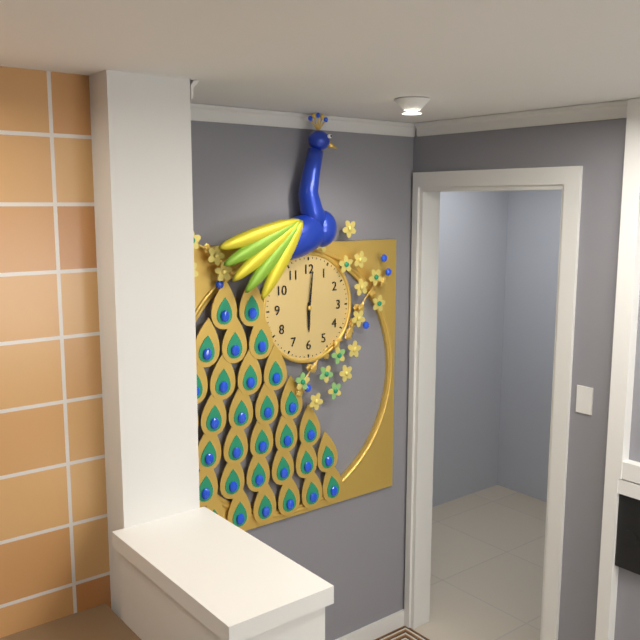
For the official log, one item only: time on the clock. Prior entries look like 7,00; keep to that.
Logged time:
6,01
